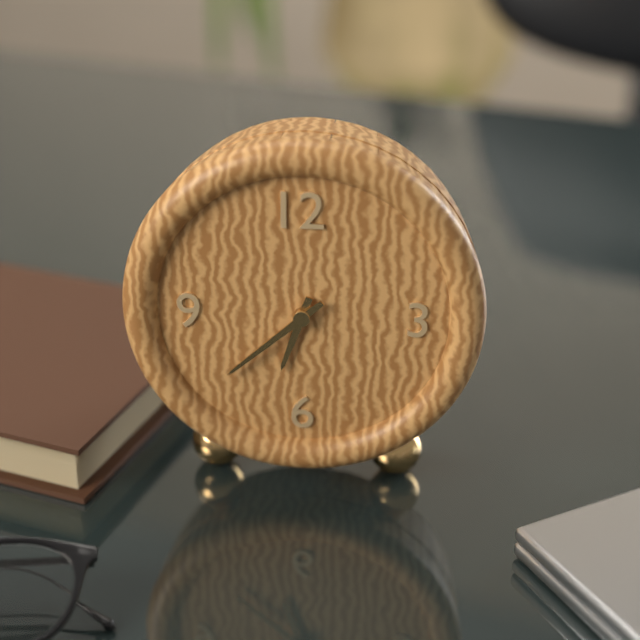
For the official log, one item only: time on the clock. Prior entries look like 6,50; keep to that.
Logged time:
6,38
